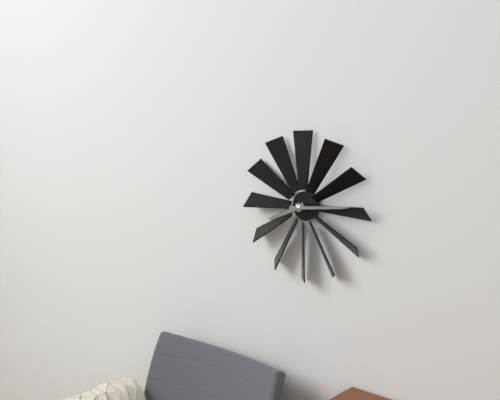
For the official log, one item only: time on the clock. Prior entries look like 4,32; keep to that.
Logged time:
8,14
